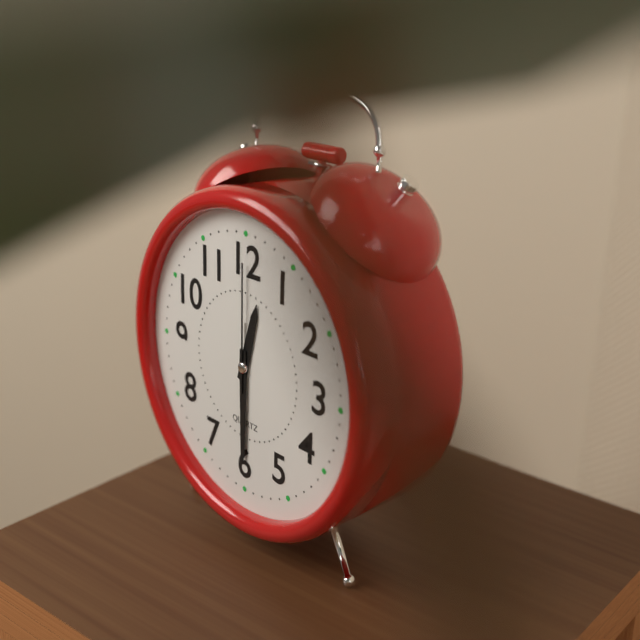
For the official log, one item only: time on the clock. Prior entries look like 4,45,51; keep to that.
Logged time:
12,30,00
